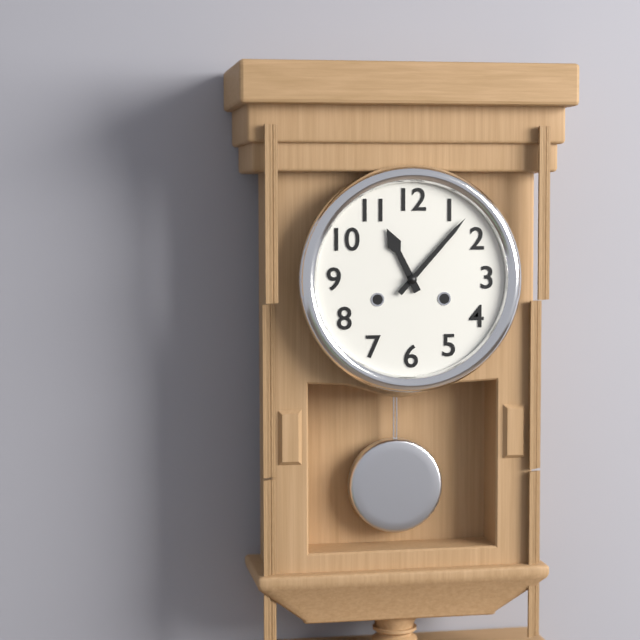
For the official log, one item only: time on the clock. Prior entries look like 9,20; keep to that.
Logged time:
11,07
